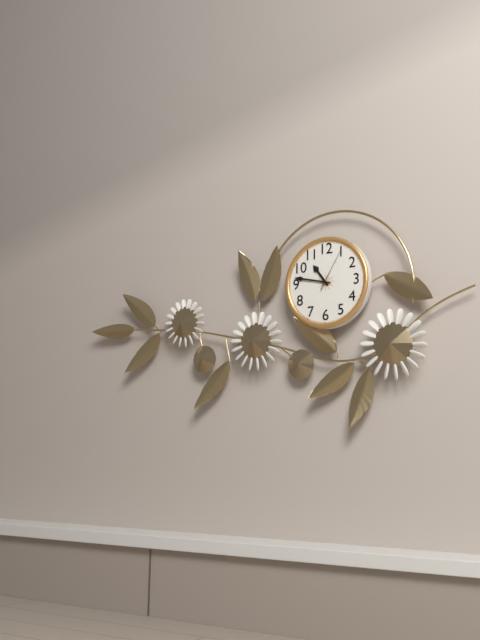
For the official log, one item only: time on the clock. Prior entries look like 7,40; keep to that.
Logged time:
10,47
